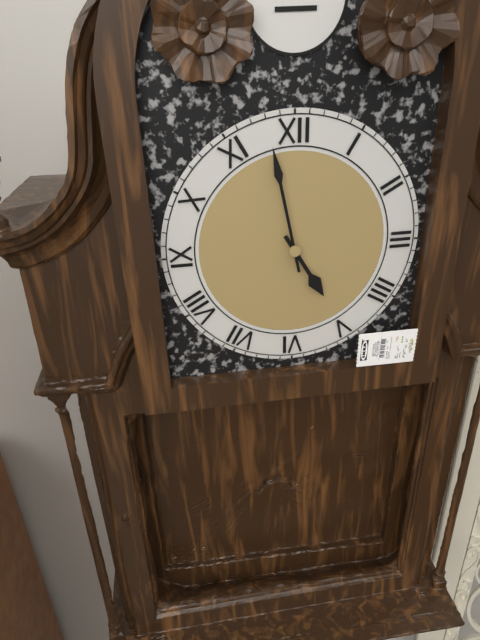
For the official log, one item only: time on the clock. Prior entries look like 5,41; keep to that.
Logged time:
4,58
